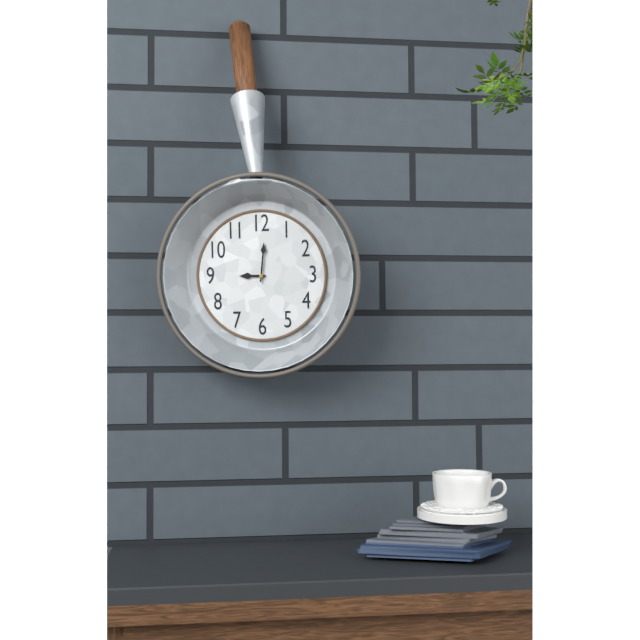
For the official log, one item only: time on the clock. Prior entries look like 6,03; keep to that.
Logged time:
9,01
